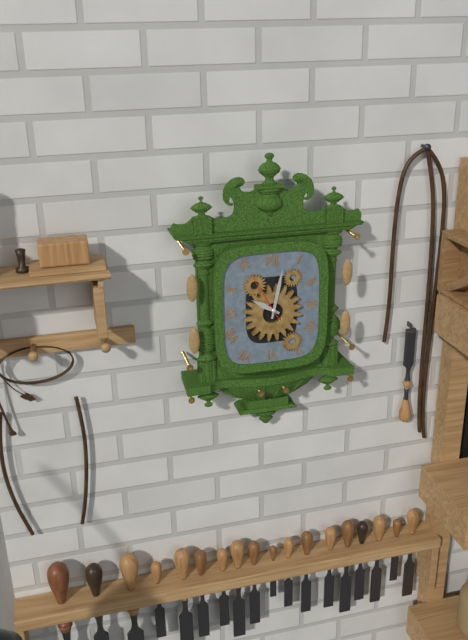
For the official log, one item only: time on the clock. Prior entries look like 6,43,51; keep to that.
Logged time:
10,02,55
